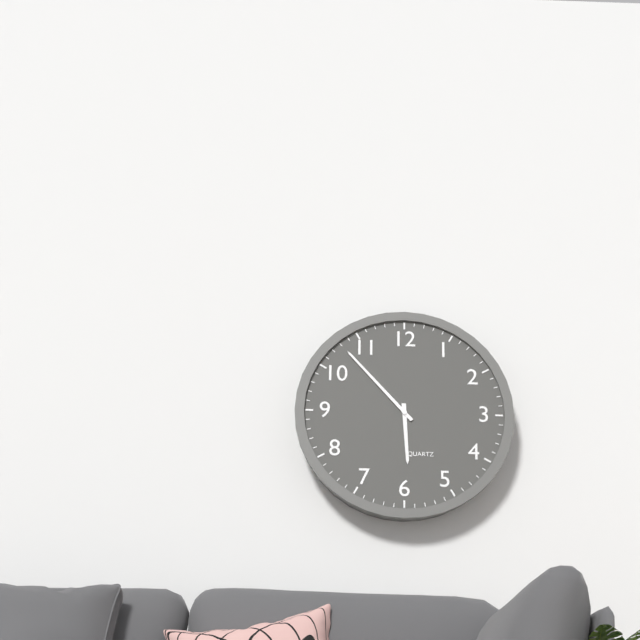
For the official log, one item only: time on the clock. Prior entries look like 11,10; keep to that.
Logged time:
5,53
